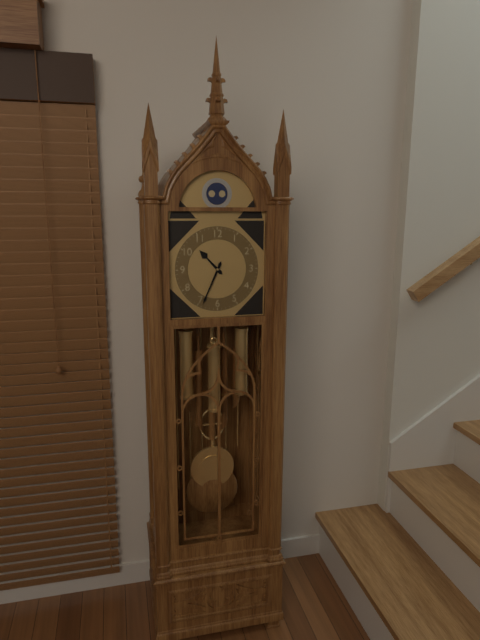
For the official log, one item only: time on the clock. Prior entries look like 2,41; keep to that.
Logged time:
10,34
